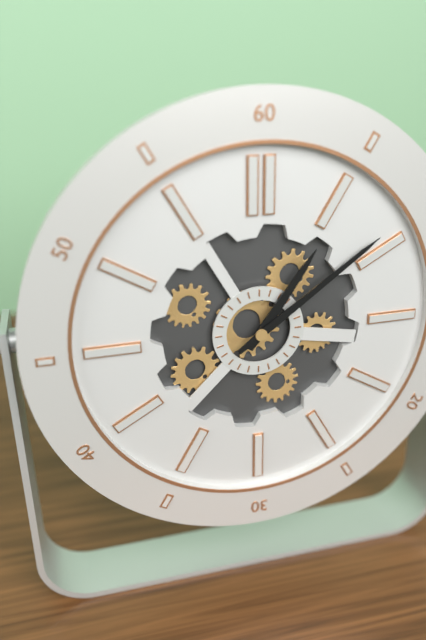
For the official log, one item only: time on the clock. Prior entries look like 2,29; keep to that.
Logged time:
1,09
